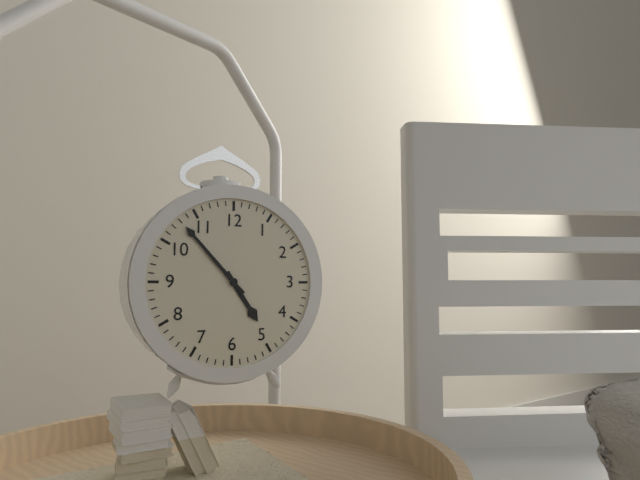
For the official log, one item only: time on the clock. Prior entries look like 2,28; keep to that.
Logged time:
4,53
